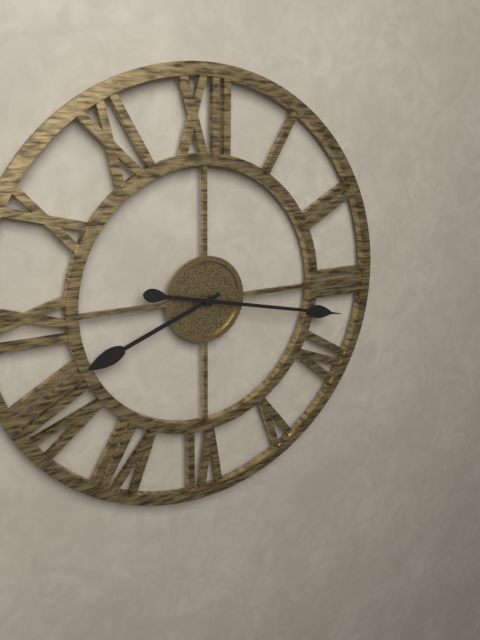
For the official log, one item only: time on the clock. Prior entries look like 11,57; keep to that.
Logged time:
8,17
